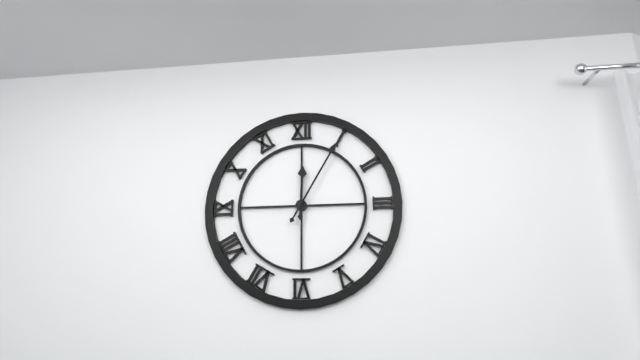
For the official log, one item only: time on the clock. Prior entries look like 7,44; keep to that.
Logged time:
12,05
